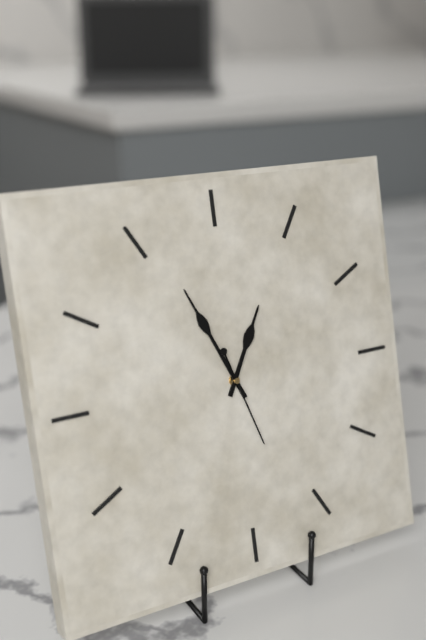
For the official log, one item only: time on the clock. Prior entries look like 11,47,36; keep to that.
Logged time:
12,56,27
